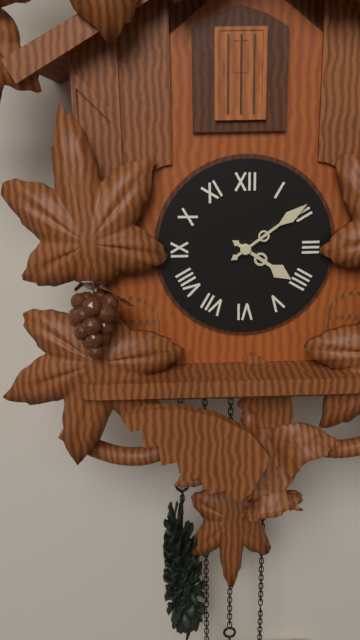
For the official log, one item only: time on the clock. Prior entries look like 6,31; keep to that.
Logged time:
4,09
